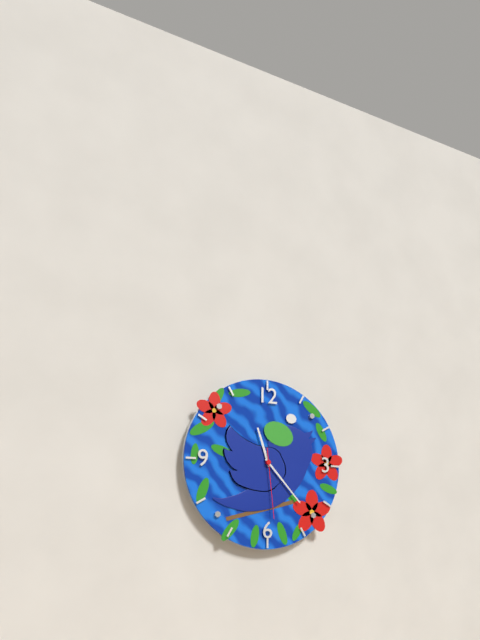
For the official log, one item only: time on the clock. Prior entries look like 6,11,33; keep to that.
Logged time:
11,23,29
